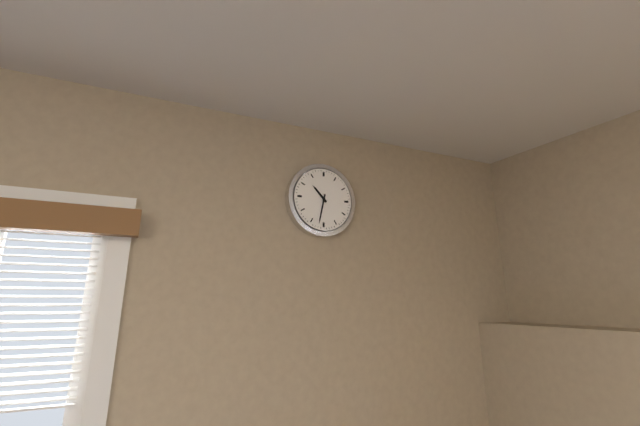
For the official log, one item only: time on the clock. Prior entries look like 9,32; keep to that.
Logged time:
10,32
